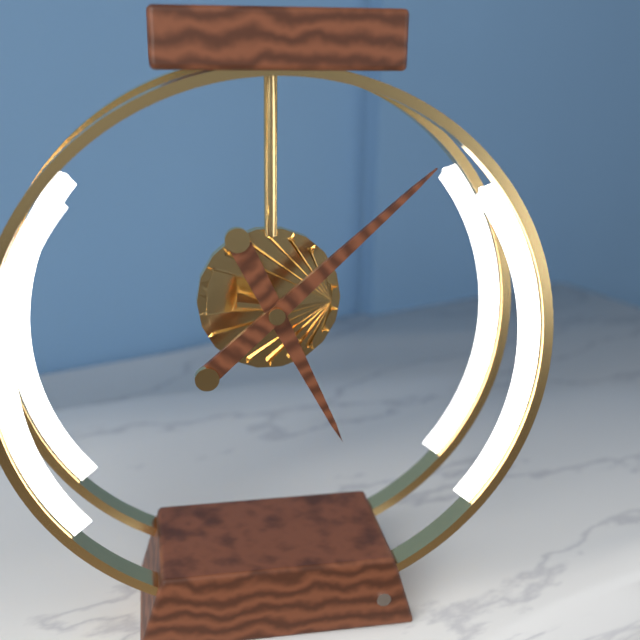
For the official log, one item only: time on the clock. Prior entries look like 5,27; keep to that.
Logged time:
5,08
